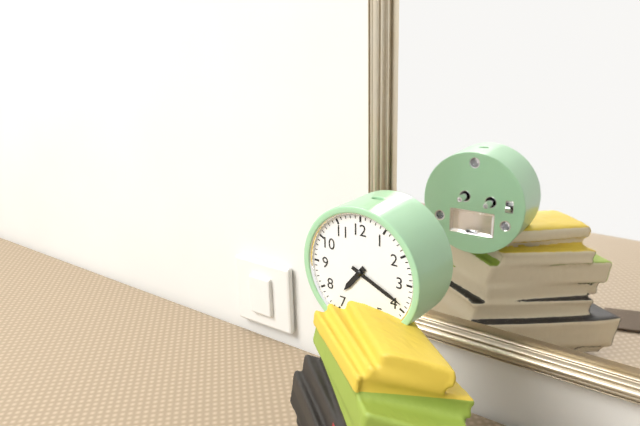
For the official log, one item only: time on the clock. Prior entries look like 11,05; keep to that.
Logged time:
7,19
